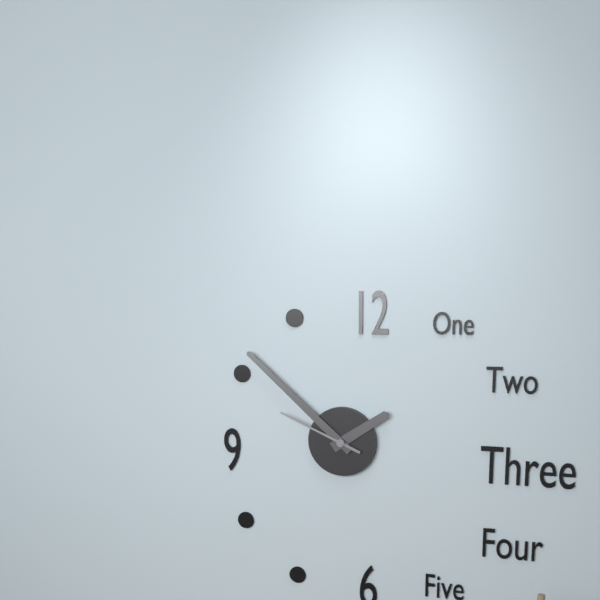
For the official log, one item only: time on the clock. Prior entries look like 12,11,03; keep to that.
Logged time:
1,52,49
